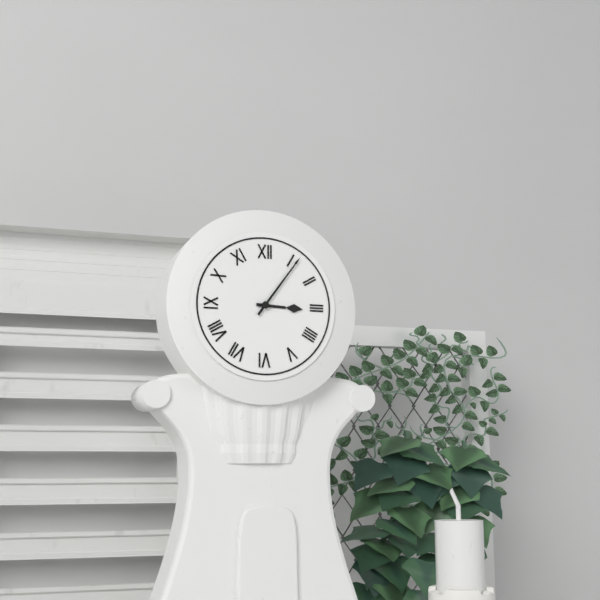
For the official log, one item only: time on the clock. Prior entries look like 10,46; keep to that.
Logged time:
3,06
